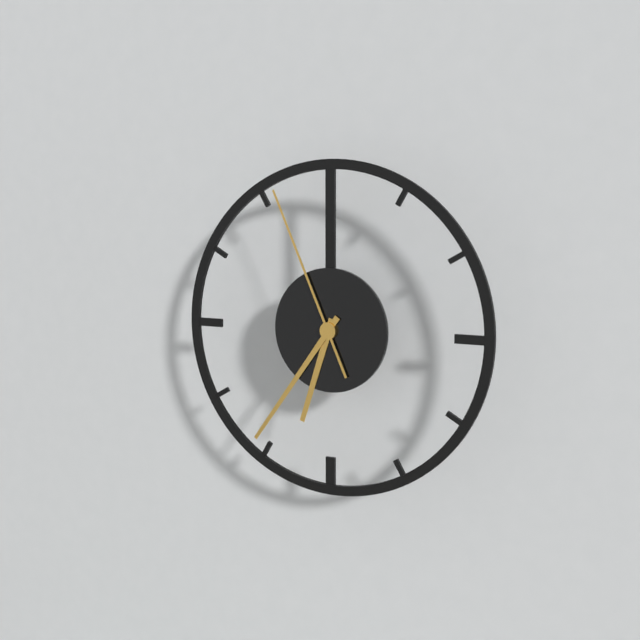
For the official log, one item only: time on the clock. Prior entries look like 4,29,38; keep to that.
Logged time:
6,36,56
